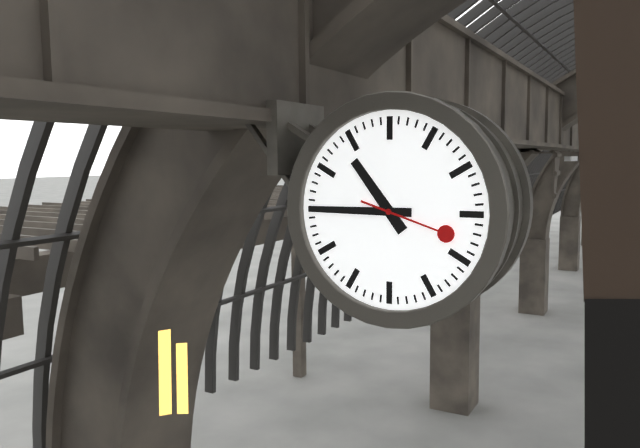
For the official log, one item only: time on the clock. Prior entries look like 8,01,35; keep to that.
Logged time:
10,45,18
